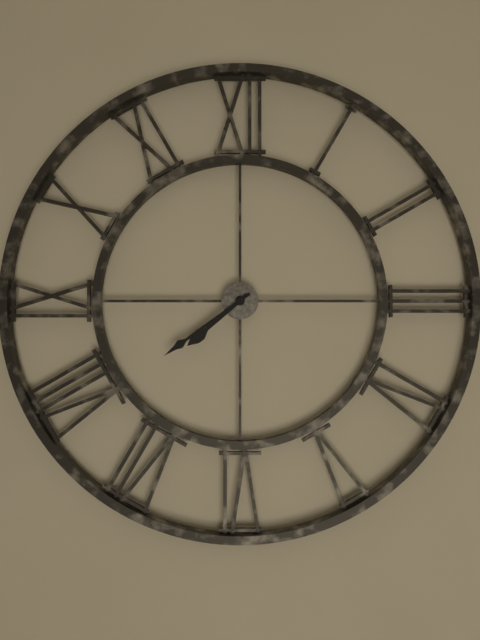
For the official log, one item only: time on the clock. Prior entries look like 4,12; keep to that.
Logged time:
7,39
